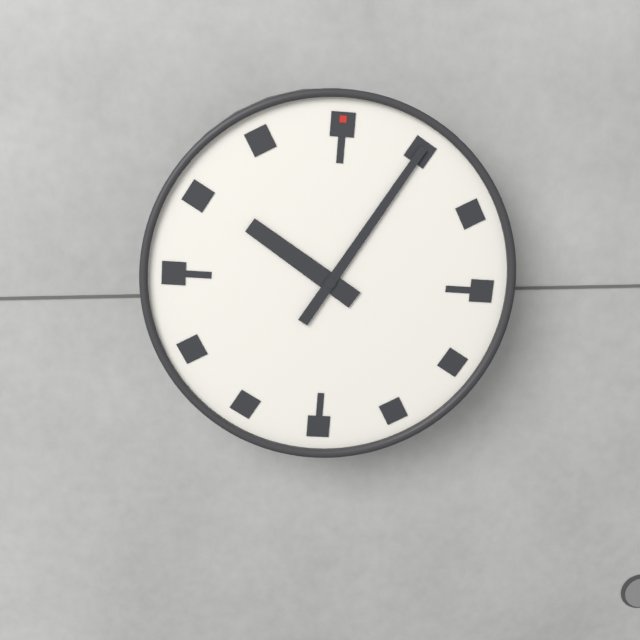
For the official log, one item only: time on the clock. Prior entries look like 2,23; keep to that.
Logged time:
10,05
